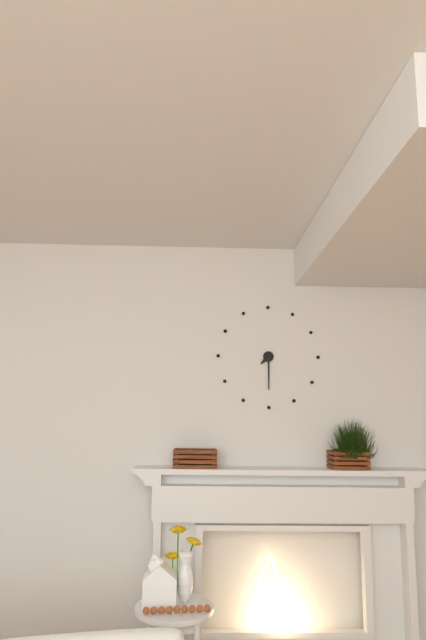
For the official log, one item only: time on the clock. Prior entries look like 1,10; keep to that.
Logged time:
7,30
